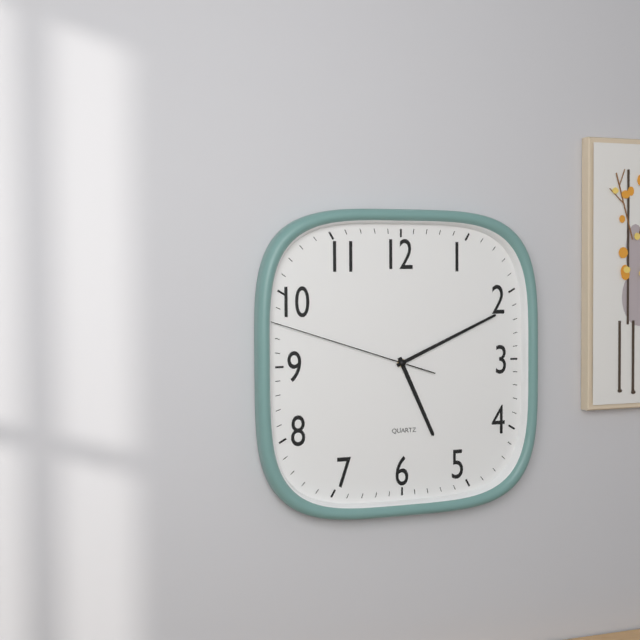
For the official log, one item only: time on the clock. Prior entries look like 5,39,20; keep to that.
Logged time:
5,11,48
